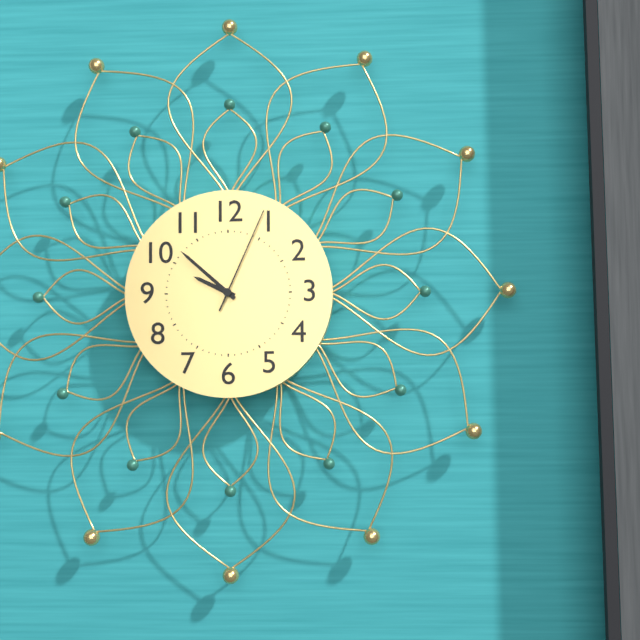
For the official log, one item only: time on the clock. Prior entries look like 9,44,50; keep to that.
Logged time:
9,52,04
